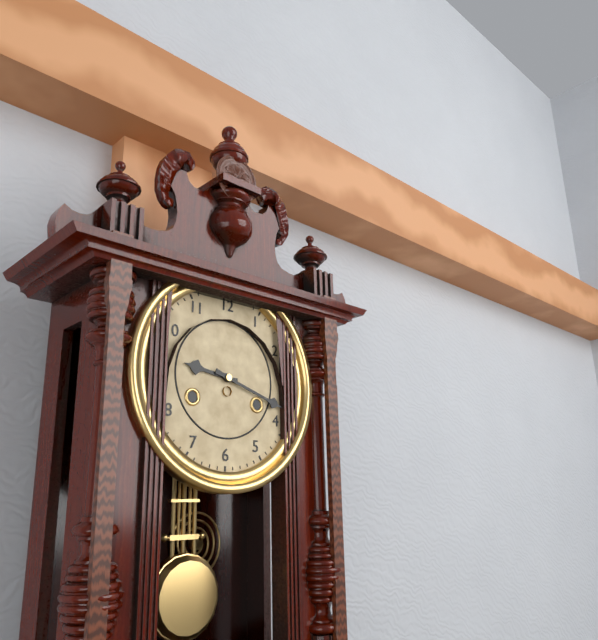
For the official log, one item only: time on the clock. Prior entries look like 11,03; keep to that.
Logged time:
9,18
